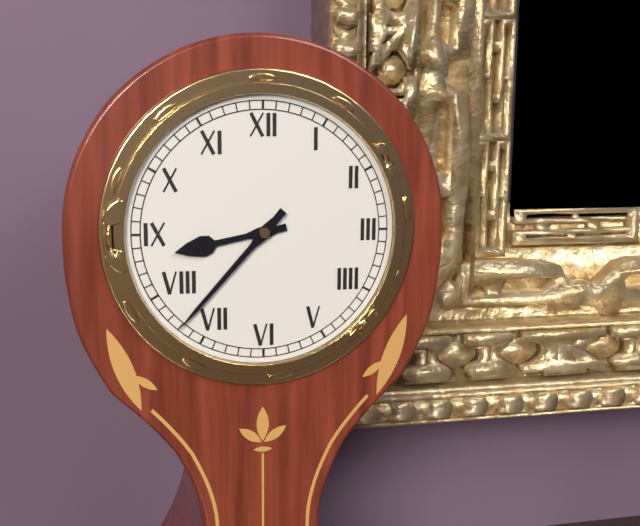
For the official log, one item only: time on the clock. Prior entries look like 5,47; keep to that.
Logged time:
8,37
